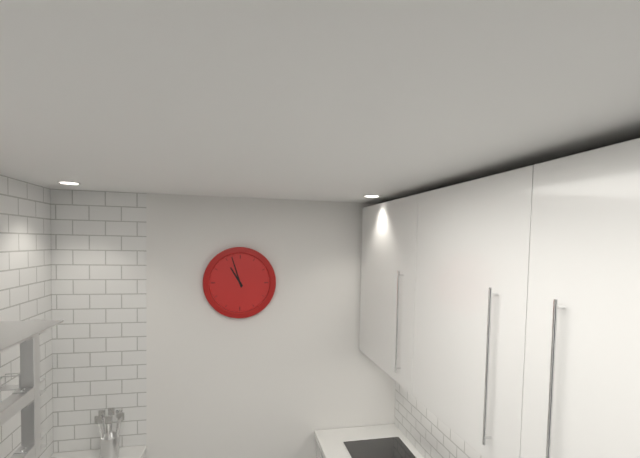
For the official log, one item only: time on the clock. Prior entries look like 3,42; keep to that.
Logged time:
10,57
